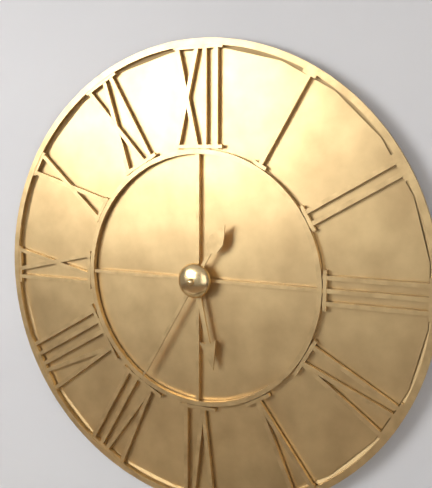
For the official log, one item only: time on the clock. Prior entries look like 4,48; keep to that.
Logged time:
5,35
